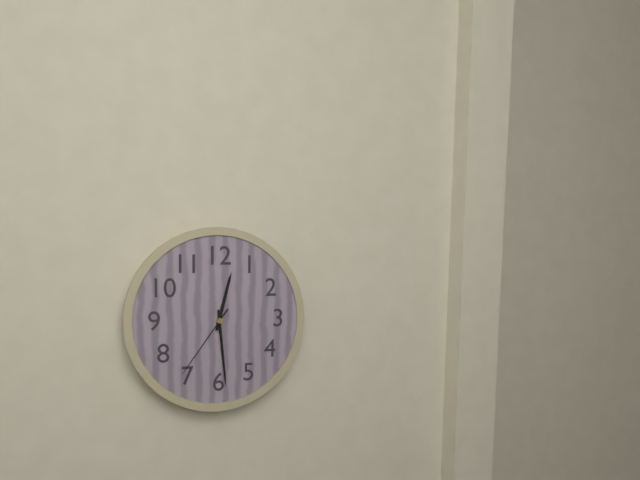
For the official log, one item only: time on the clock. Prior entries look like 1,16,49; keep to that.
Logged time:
12,29,36
